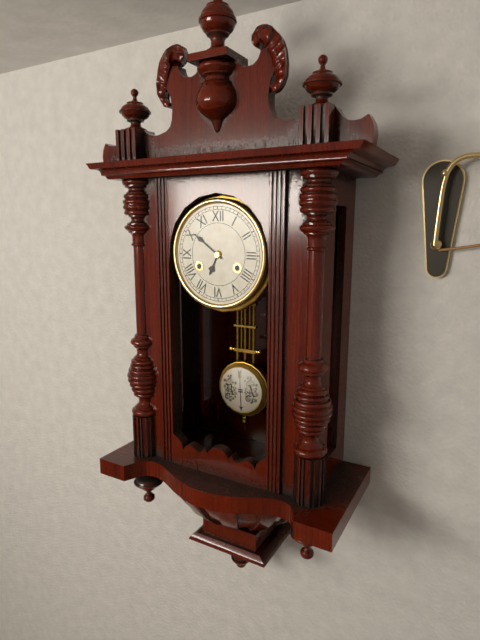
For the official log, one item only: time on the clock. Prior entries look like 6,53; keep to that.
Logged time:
6,51
